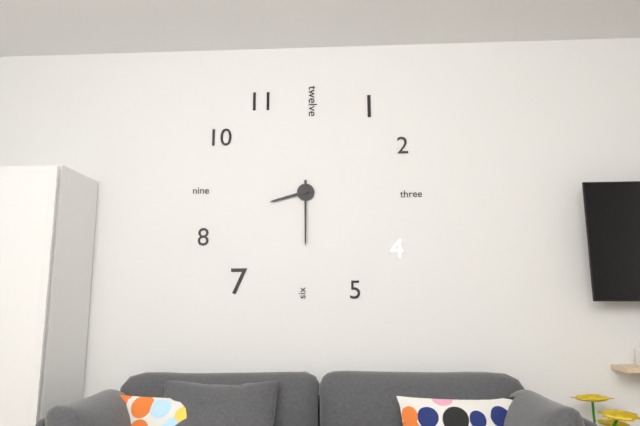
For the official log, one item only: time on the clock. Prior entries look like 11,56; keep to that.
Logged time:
8,30
